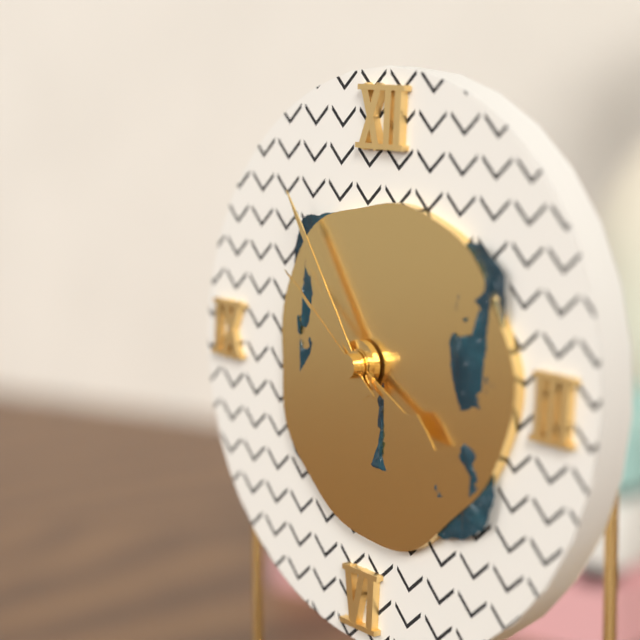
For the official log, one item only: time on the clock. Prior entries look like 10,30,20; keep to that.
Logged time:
3,54,51
